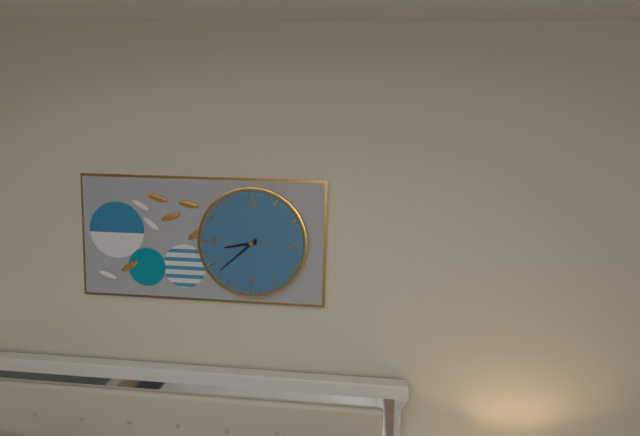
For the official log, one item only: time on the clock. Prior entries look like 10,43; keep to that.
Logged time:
8,38
